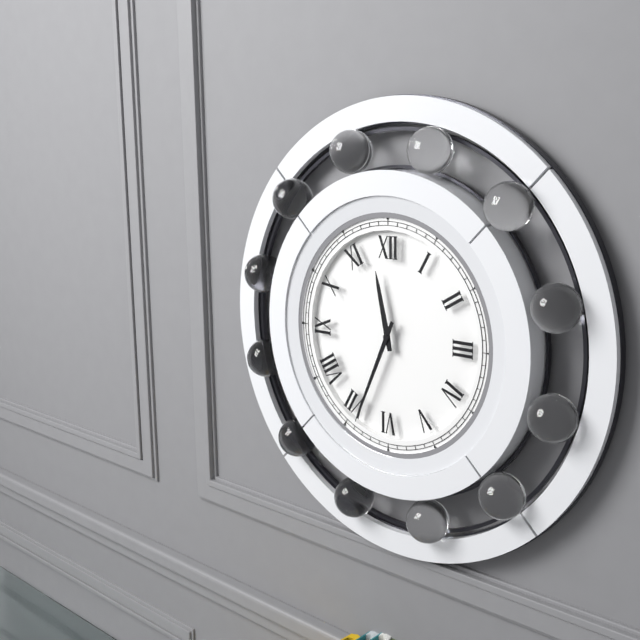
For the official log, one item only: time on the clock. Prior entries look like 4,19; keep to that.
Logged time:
11,34
